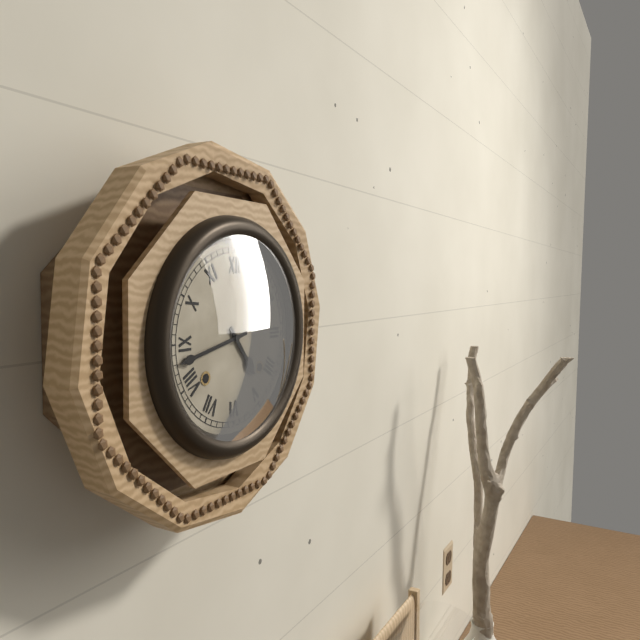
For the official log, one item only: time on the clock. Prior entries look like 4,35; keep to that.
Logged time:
4,43
